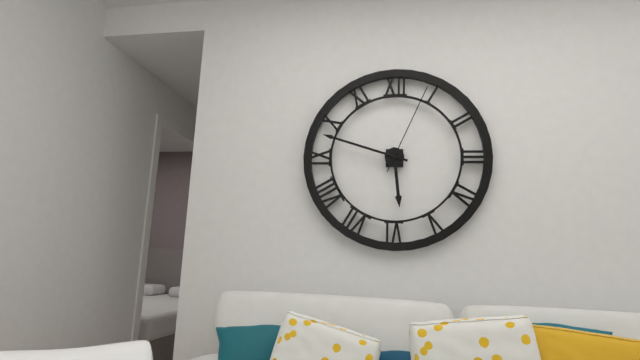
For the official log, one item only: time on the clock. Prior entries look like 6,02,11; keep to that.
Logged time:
5,48,04
